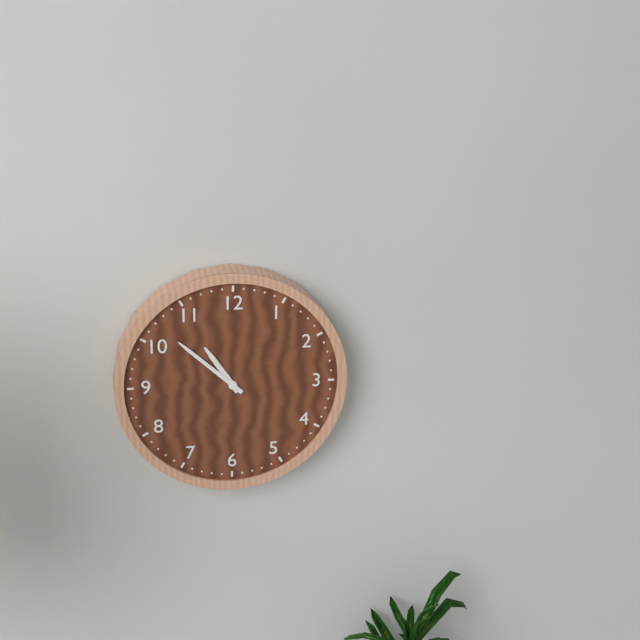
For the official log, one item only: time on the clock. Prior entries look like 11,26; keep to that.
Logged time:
10,52
